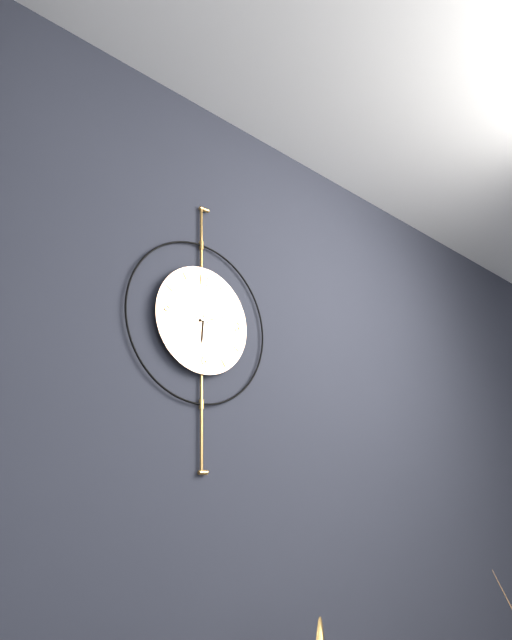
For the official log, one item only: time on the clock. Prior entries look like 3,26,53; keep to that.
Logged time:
6,12,17
